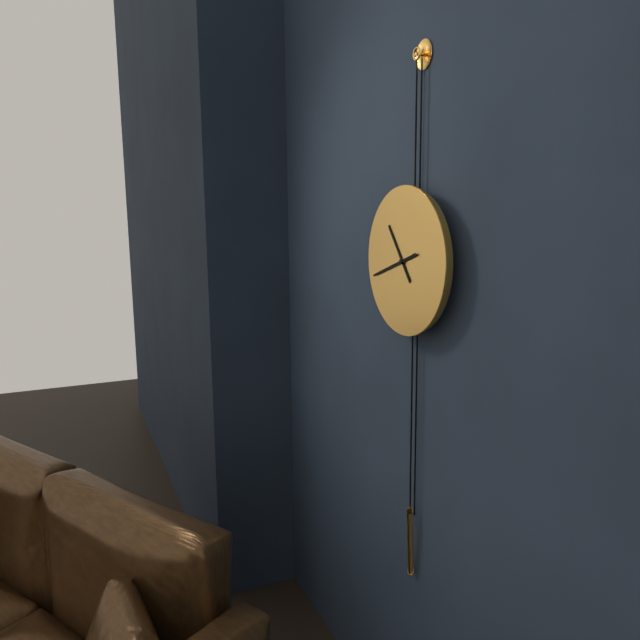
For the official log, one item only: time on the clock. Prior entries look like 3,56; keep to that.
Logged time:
10,42
